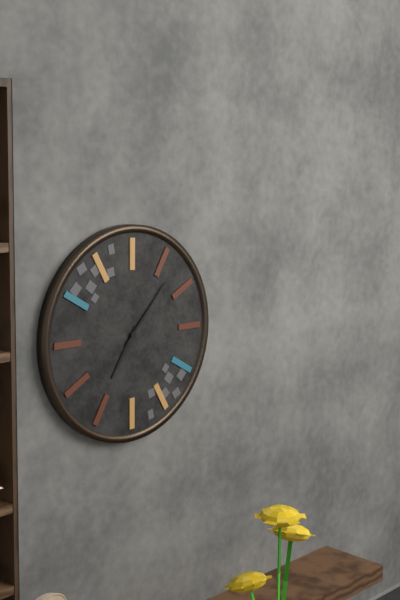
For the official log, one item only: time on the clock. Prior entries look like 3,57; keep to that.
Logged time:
7,07
